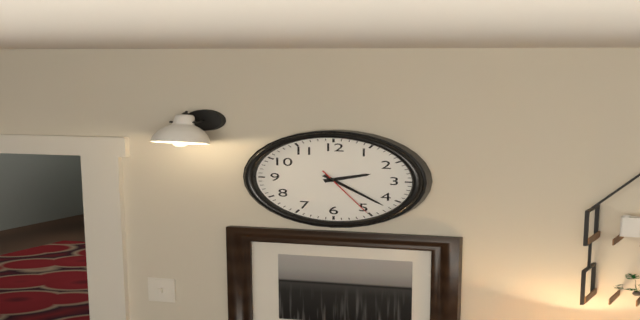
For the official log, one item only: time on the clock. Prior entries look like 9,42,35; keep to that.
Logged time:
2,22,25
